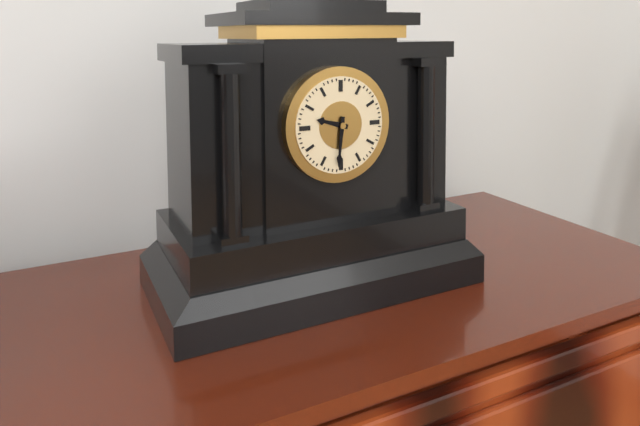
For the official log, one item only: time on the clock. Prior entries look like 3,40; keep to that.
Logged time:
9,31
